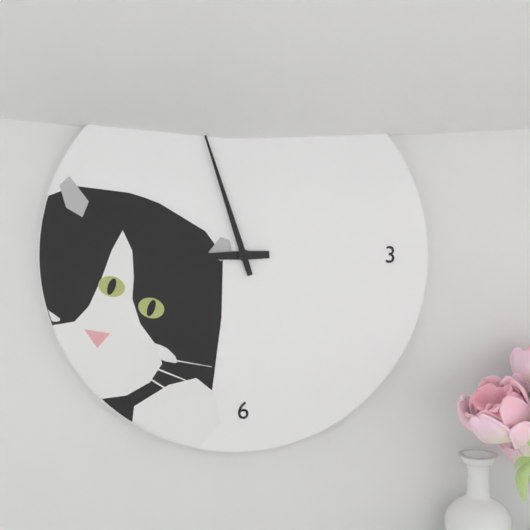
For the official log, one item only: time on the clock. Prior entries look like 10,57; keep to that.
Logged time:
8,57
